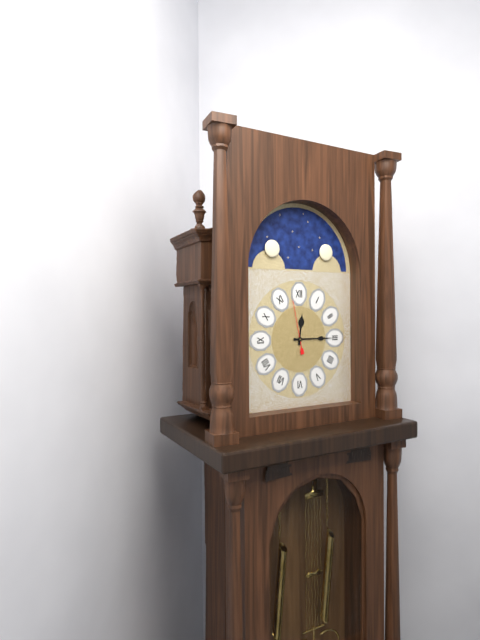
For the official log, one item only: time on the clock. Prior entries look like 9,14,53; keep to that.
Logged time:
12,15,58
